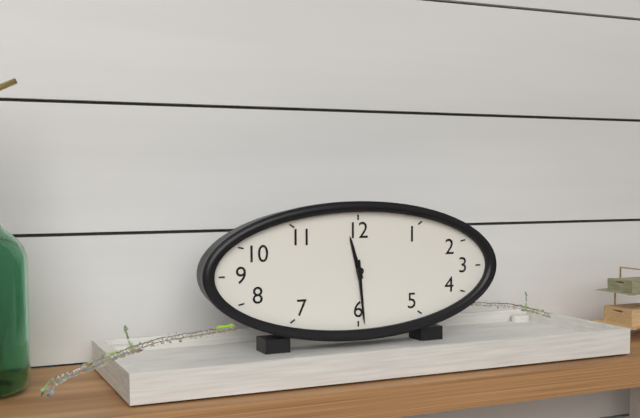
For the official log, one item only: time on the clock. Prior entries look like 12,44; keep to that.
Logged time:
11,29
